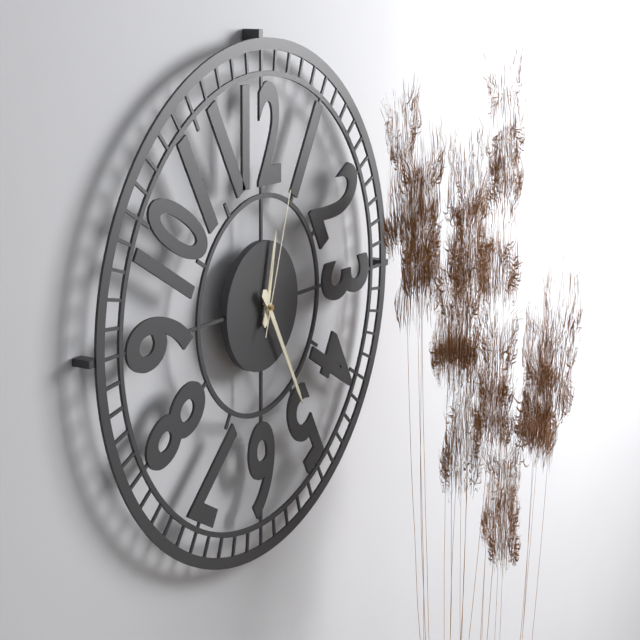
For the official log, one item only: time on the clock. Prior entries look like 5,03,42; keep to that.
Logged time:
12,25,03
